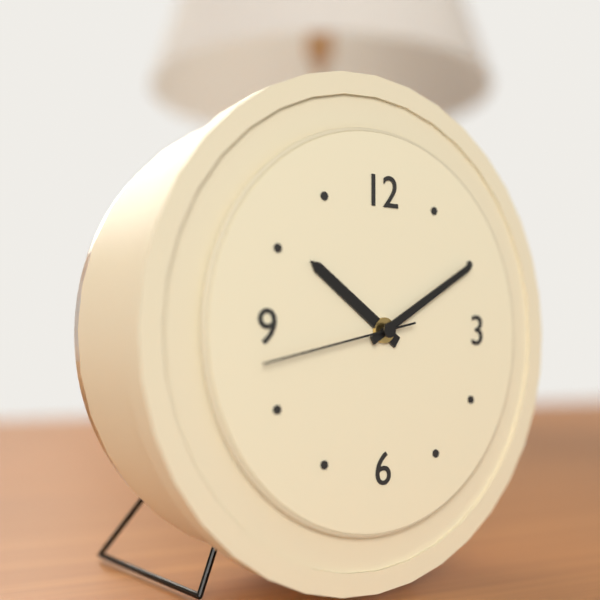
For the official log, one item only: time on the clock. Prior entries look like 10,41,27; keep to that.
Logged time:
10,10,43
